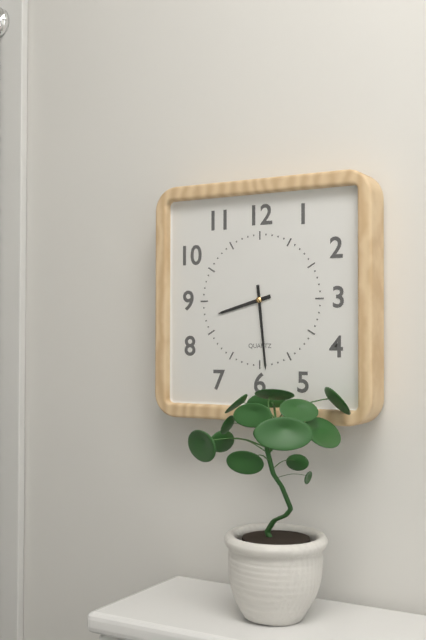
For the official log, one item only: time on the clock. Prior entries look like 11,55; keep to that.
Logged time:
8,29
